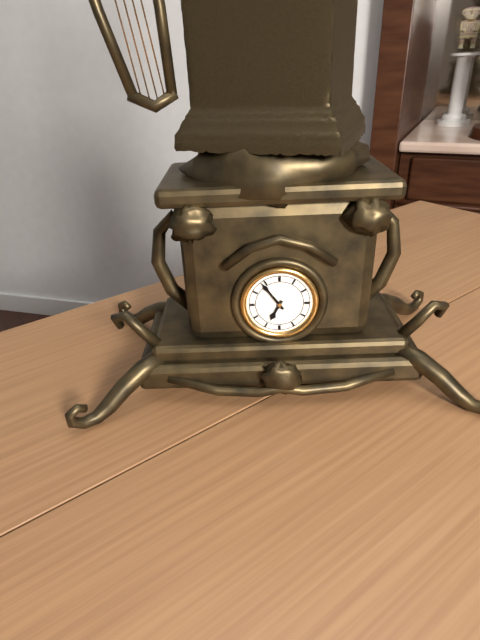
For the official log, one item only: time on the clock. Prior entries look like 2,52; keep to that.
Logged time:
6,54
